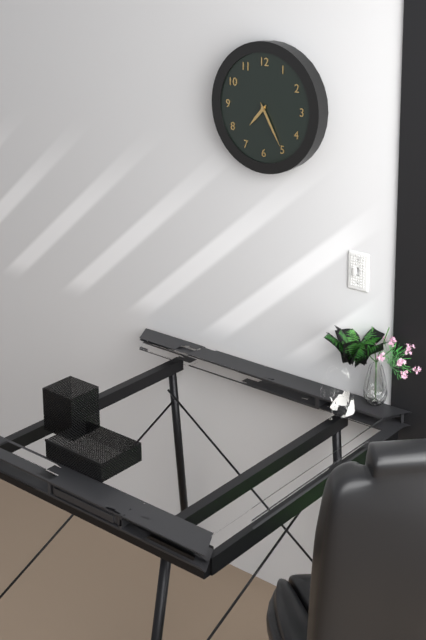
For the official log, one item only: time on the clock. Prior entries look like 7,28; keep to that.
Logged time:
7,25
